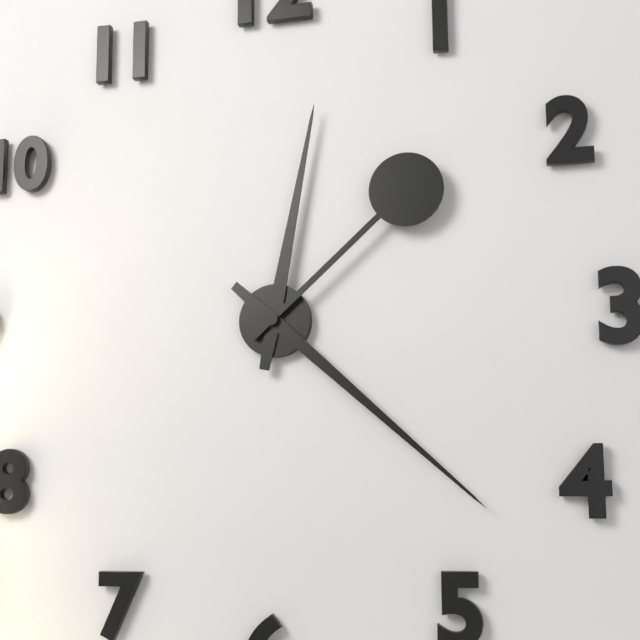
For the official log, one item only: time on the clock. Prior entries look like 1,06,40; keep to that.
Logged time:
12,22,08
